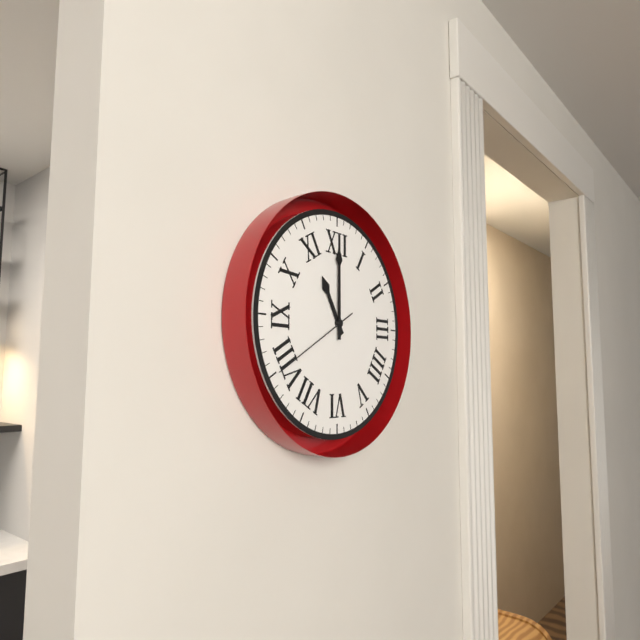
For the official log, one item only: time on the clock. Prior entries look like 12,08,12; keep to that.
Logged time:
11,00,40
